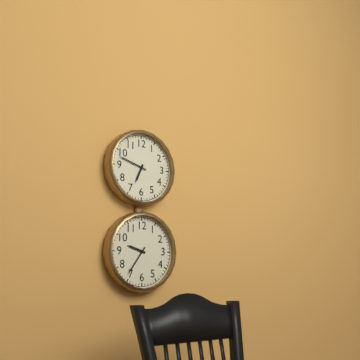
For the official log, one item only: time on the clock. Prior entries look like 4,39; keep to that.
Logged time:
6,48
